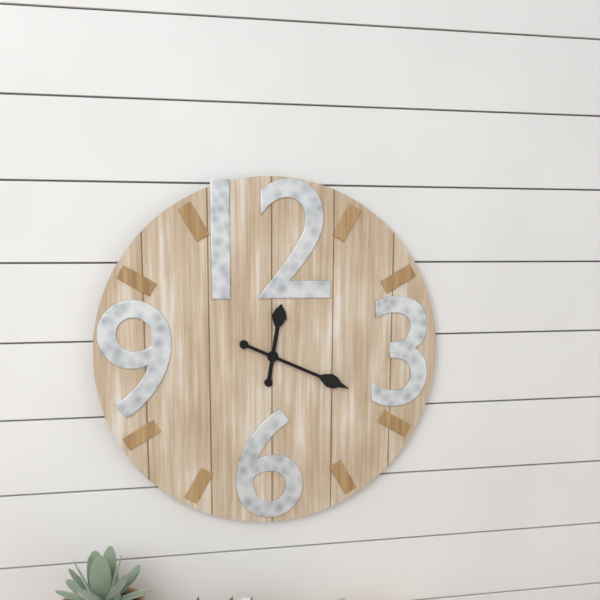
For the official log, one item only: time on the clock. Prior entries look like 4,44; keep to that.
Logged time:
12,19
